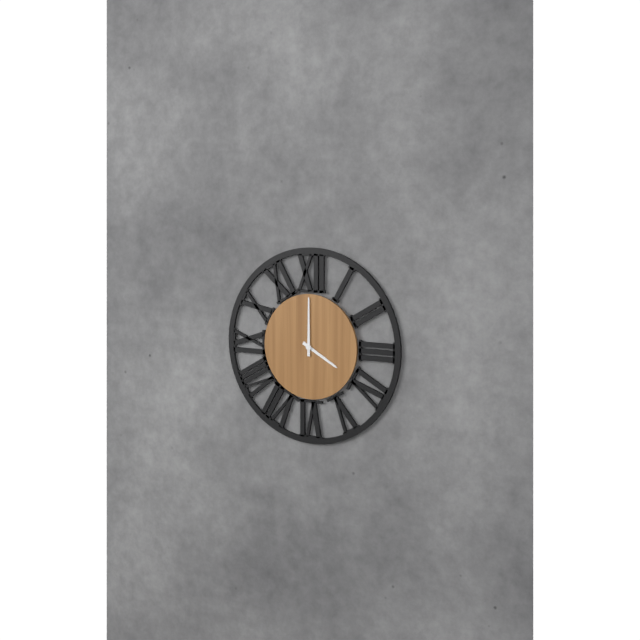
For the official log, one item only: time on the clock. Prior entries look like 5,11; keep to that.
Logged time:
4,00
